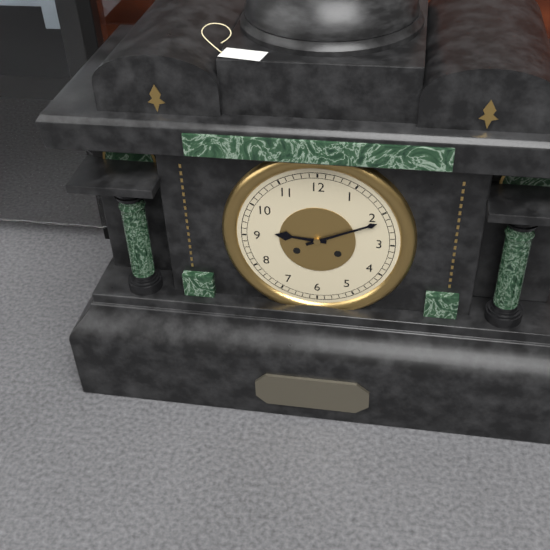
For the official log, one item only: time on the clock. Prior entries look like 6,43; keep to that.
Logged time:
9,11
